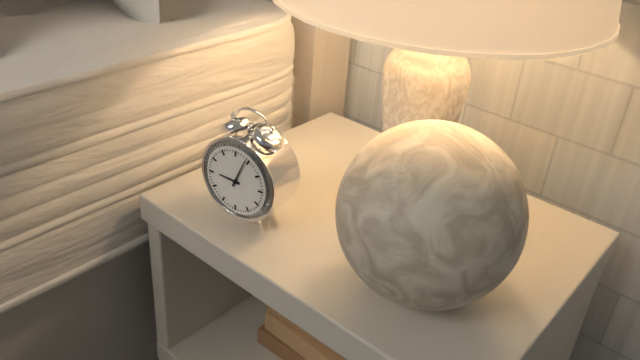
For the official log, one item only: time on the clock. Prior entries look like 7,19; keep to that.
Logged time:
9,04
